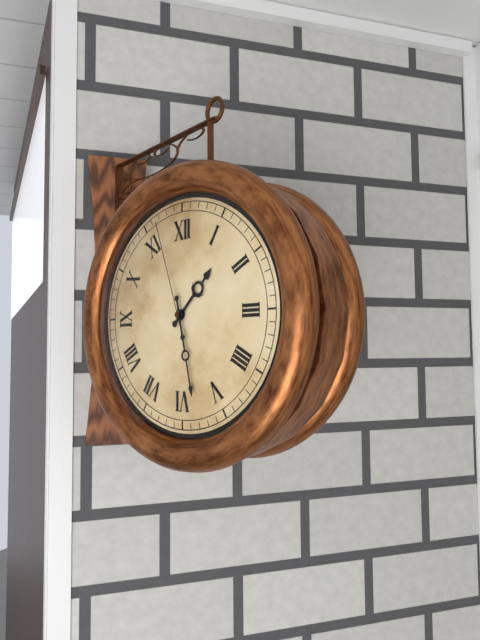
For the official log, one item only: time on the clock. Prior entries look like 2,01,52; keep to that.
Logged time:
1,28,57
